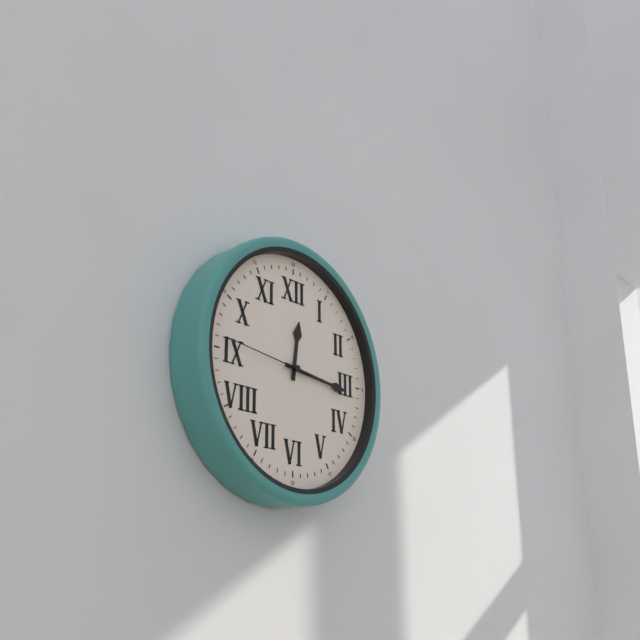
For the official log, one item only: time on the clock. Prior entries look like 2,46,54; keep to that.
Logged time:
12,16,46
